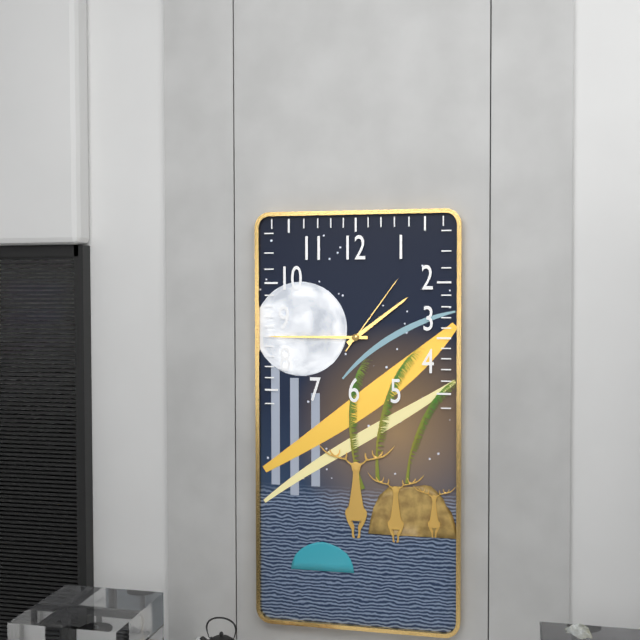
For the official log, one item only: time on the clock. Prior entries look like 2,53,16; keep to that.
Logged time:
1,45,06
